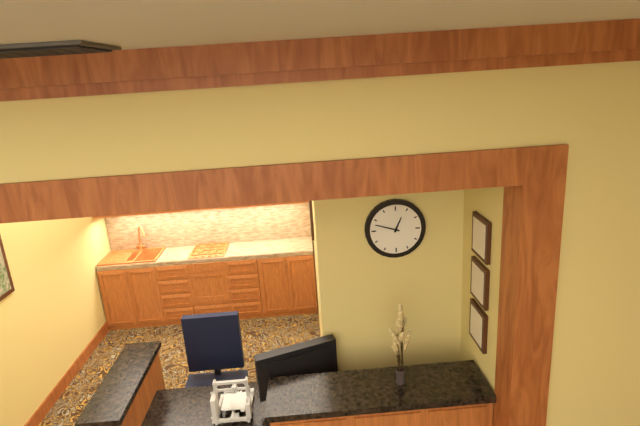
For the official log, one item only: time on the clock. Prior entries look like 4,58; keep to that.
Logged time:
12,48
